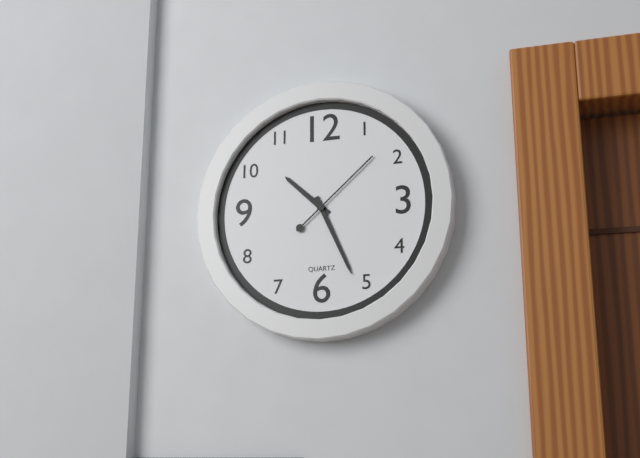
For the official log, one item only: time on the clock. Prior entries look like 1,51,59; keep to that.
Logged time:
10,26,08
